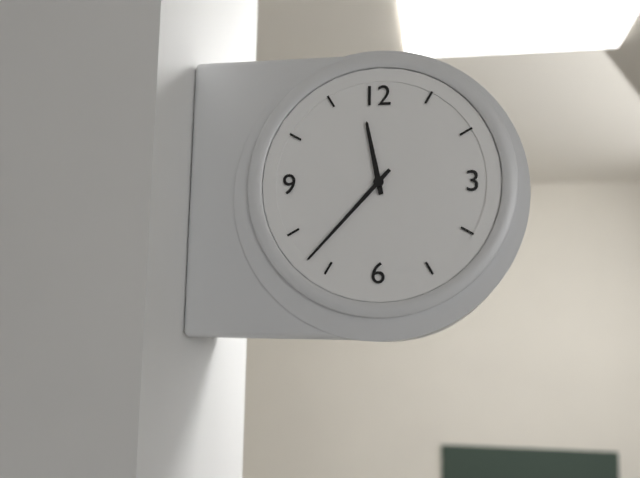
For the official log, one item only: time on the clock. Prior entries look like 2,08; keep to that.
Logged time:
11,37
